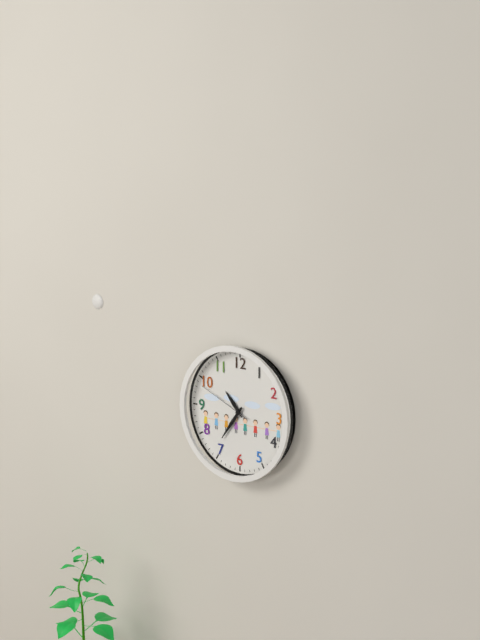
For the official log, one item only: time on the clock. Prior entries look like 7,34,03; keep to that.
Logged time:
10,36,49
